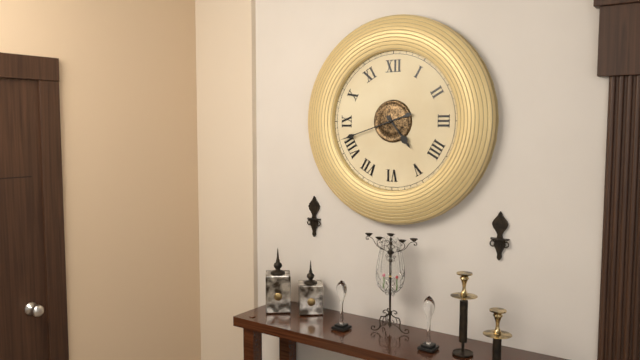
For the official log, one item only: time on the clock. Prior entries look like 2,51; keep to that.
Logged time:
4,42
